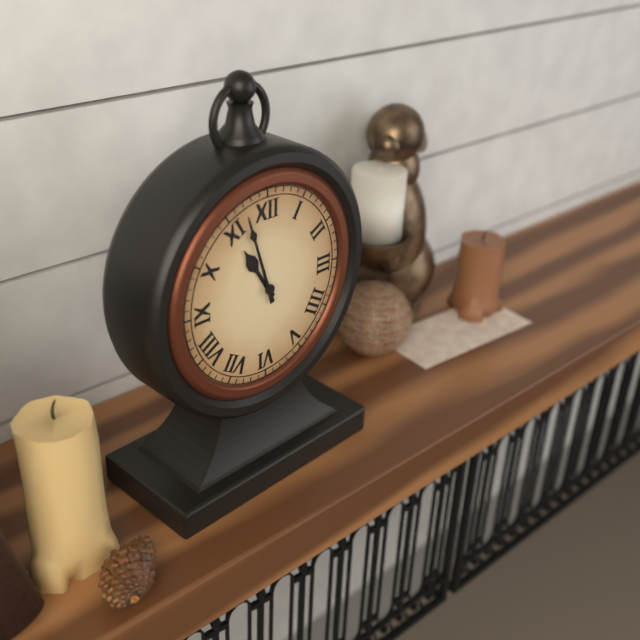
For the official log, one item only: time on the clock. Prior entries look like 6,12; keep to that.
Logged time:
10,57
